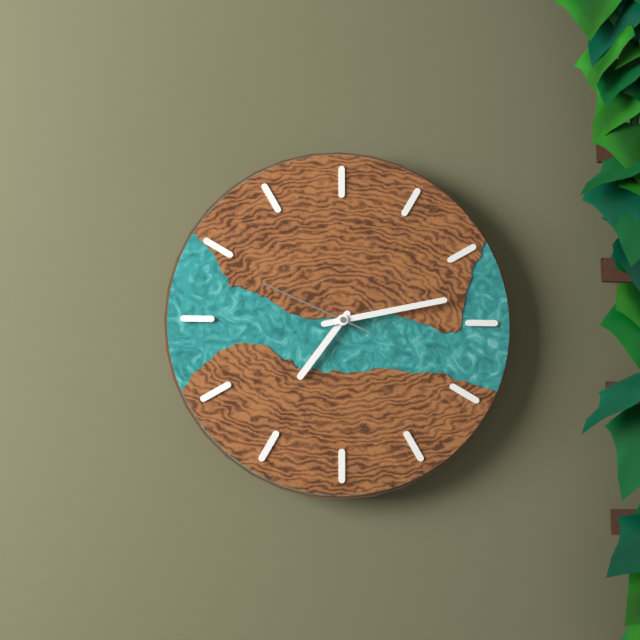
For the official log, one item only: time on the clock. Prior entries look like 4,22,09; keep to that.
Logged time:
7,13,49
